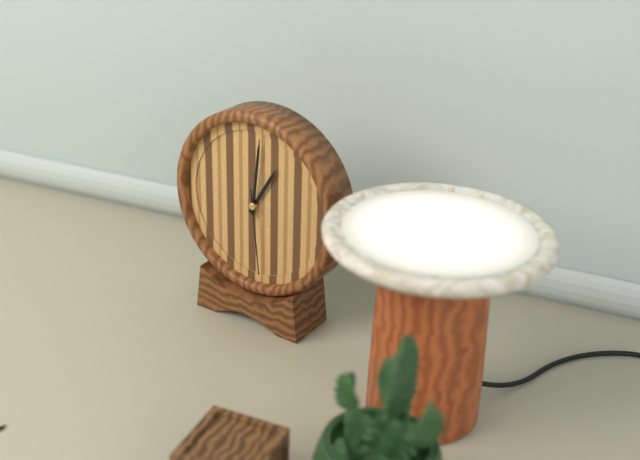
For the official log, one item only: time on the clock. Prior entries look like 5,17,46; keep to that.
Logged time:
1,01,29
